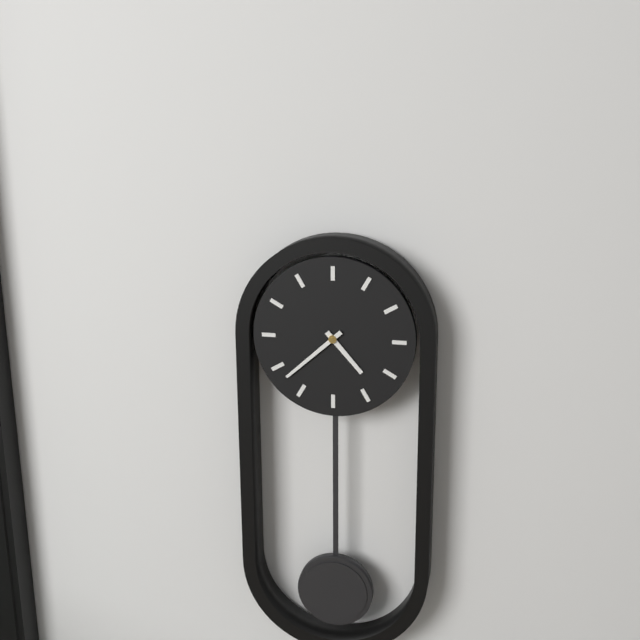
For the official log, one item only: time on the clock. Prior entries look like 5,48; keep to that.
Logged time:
4,38
